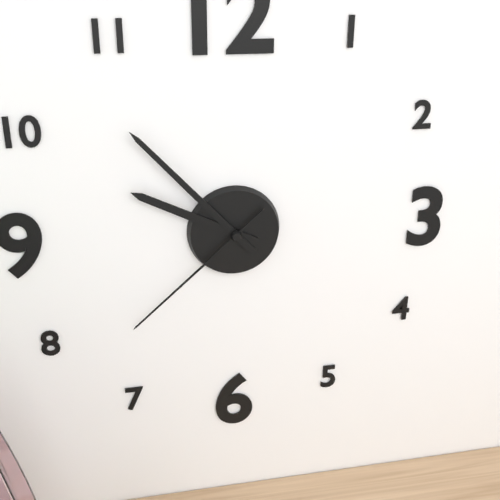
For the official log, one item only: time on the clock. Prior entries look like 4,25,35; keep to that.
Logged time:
9,53,38
